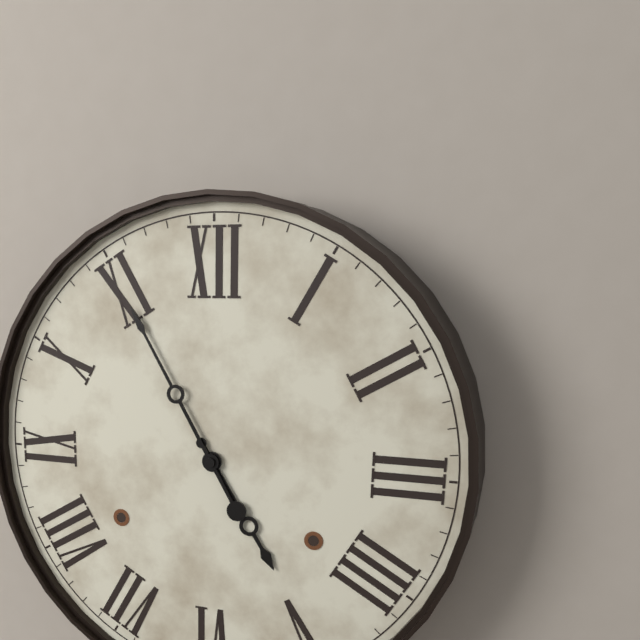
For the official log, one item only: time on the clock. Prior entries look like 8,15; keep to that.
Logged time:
4,55
